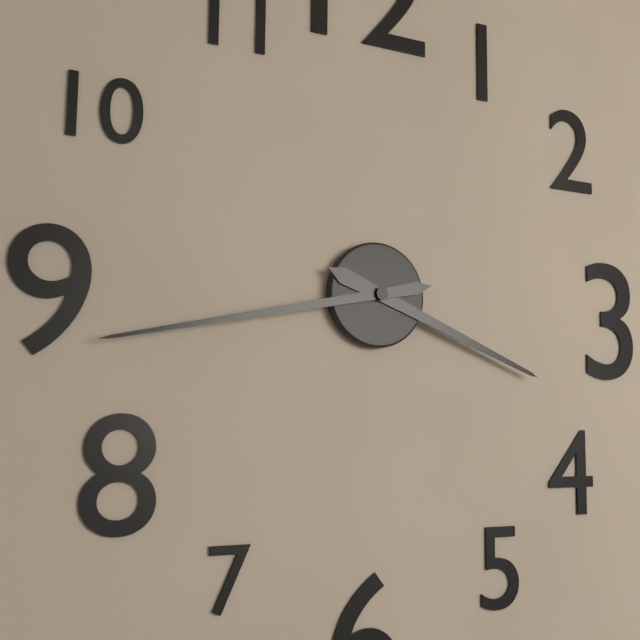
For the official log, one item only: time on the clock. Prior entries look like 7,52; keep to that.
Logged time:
3,43
